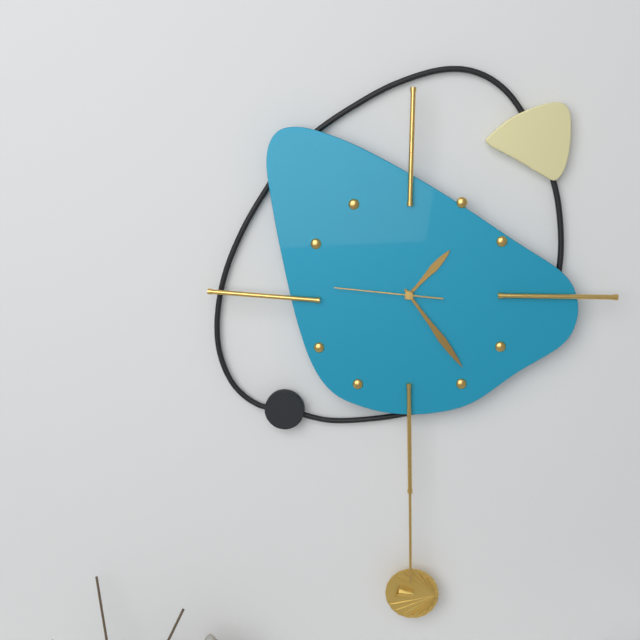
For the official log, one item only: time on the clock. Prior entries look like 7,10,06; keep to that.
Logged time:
1,24,46
